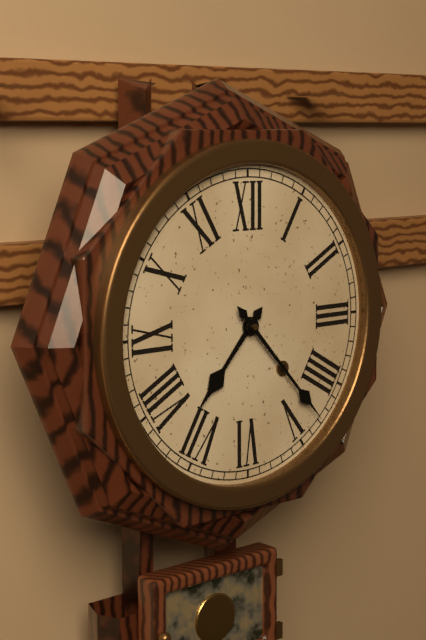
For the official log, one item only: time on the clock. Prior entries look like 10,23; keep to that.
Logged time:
7,23
